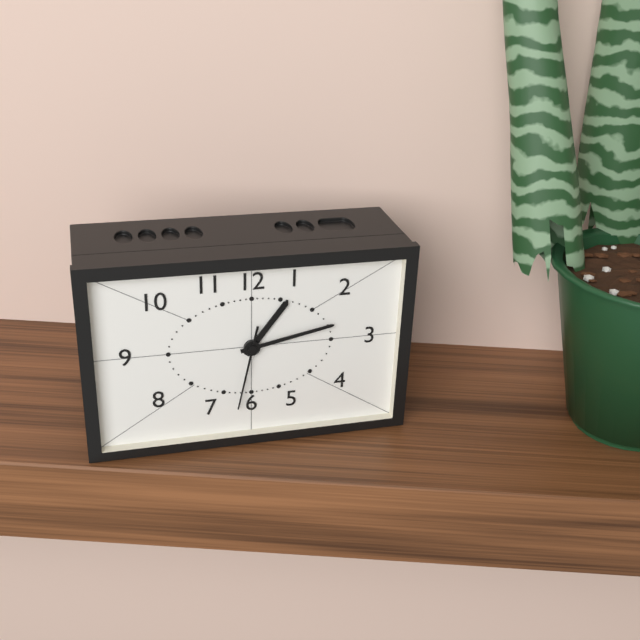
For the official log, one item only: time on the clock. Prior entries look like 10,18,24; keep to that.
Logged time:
1,13,32
